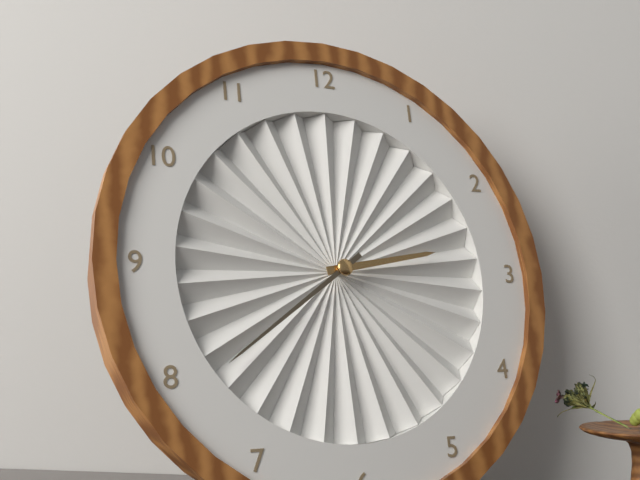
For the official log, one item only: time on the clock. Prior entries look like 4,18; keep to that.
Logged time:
2,39
